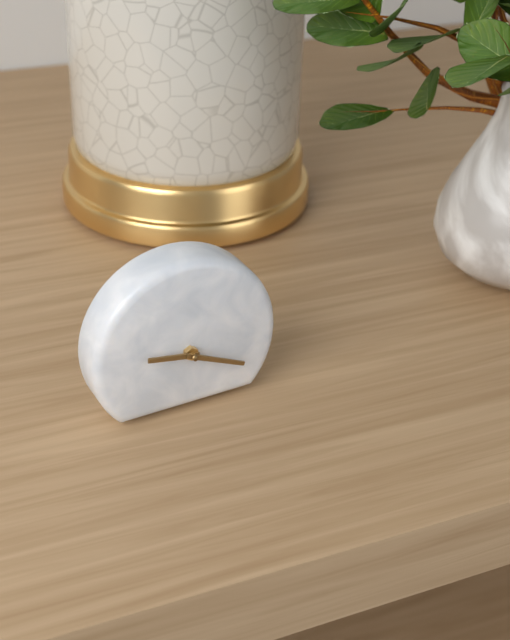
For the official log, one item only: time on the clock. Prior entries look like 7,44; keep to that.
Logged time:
9,19
